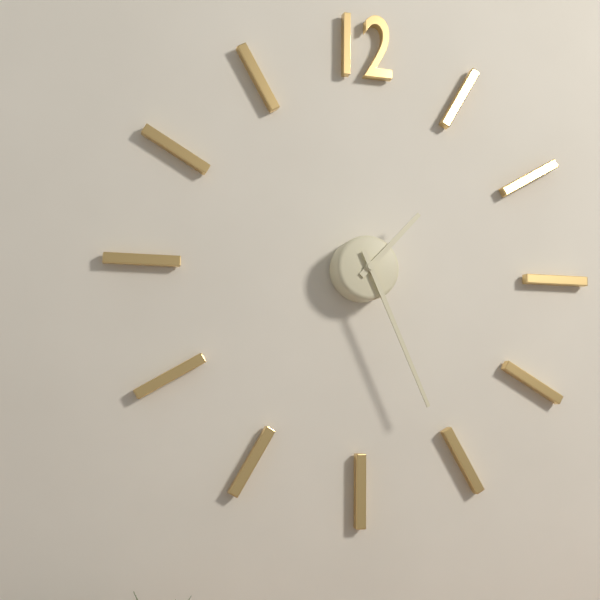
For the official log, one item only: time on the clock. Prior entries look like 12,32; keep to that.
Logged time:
1,26
